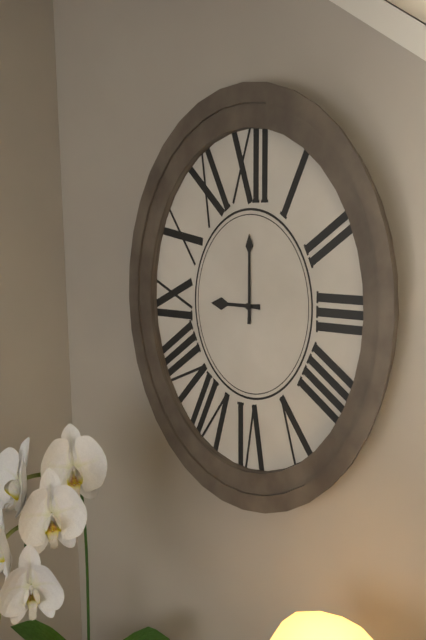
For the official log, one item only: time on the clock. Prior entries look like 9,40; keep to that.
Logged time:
9,00
